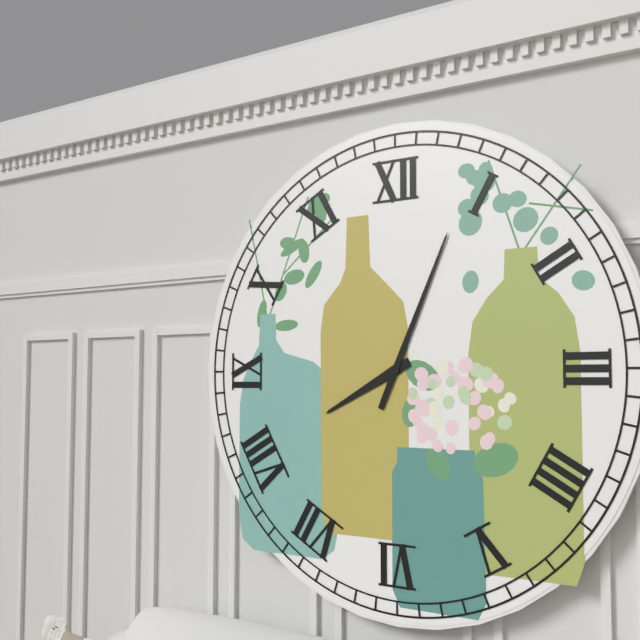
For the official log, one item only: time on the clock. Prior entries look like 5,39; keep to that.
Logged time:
8,04
